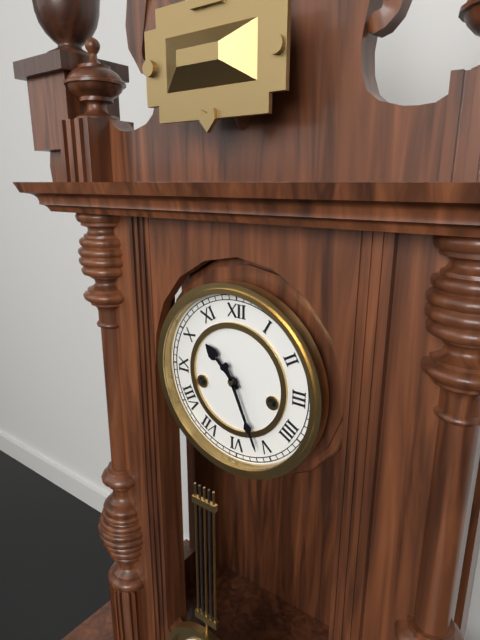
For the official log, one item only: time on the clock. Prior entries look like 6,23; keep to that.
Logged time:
10,26
